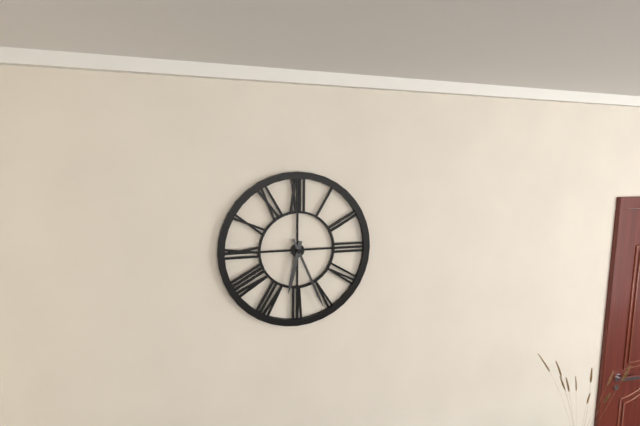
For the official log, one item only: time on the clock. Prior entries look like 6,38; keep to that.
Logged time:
6,26
